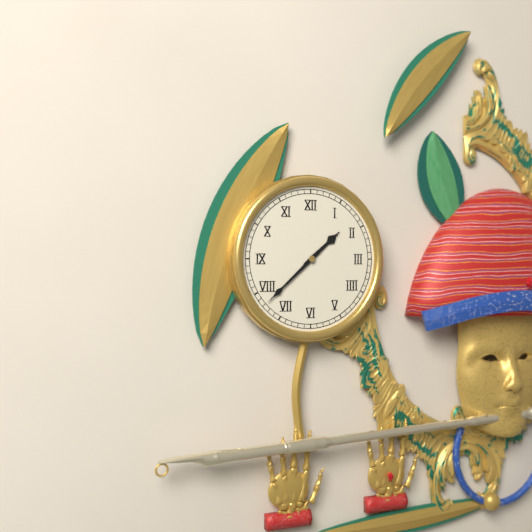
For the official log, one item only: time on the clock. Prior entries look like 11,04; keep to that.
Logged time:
1,38
